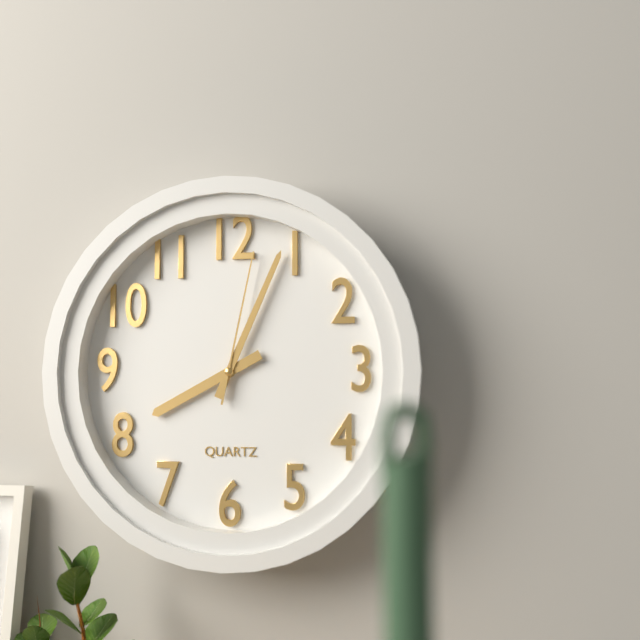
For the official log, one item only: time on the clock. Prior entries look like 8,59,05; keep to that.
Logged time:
8,04,02
